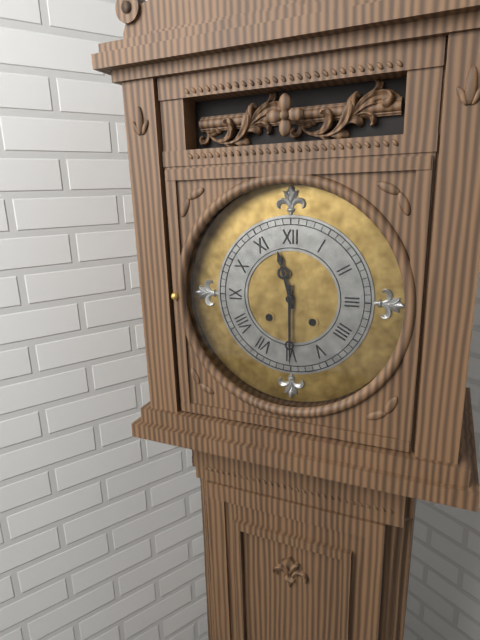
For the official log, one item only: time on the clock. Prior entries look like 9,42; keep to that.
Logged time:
11,30
